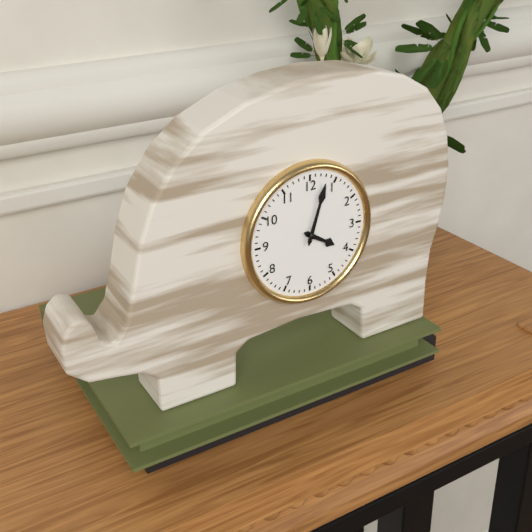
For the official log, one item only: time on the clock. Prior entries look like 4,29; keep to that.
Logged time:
4,03
